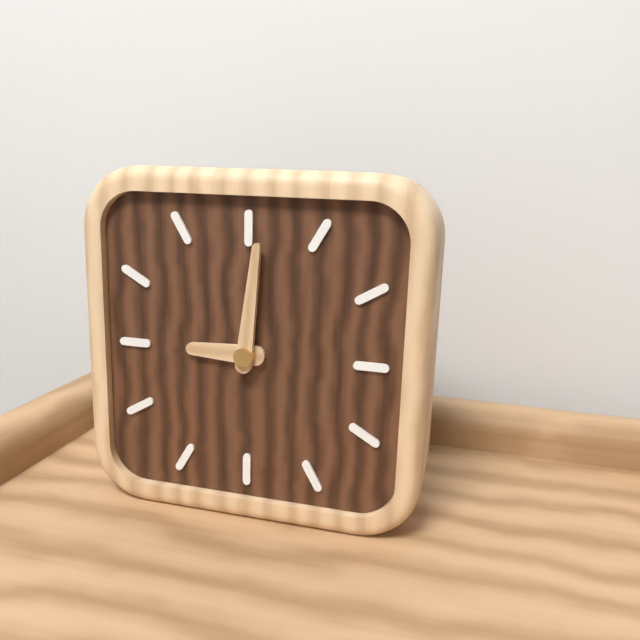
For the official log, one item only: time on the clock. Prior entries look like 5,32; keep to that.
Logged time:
9,01
